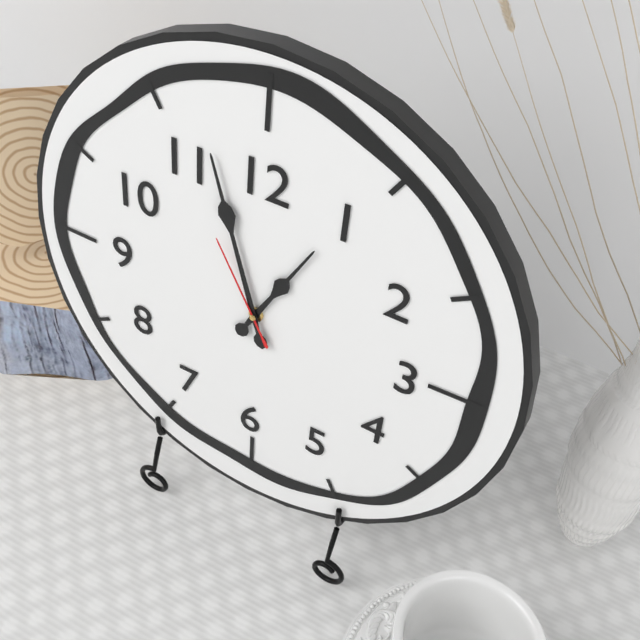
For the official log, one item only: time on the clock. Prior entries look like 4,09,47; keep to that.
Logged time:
12,57,55
